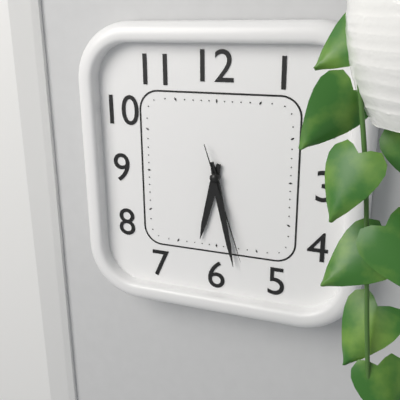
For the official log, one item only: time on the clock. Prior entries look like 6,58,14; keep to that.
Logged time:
6,28,27
